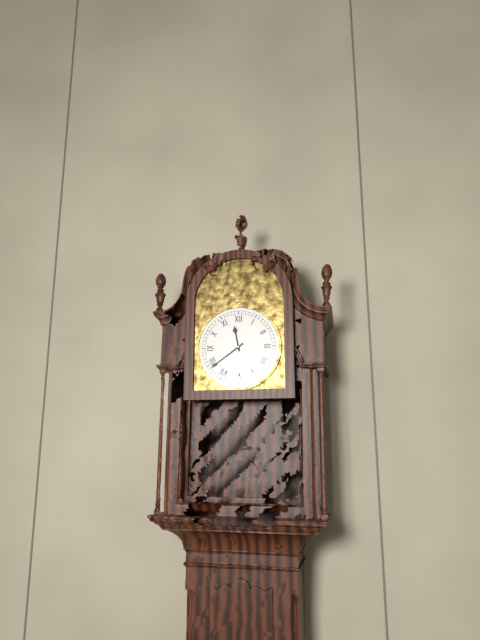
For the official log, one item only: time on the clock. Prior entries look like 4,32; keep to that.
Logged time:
11,39
